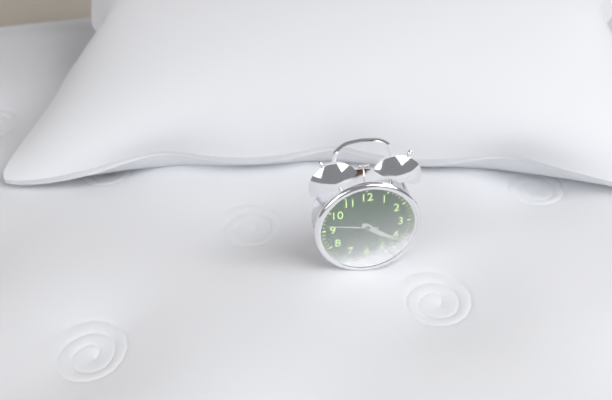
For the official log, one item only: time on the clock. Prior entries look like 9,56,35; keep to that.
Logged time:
4,21,47
